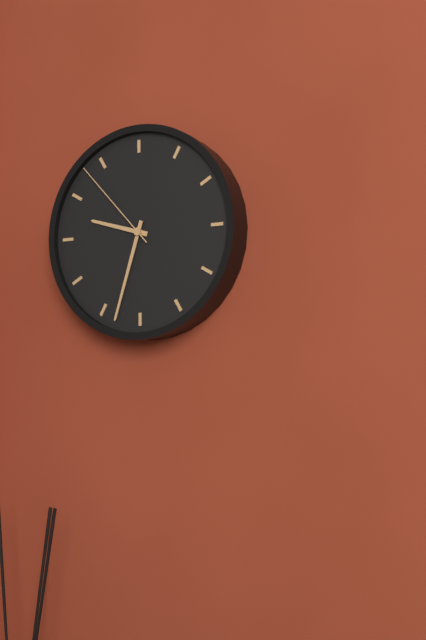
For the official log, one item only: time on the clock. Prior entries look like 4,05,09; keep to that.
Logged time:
9,33,53
